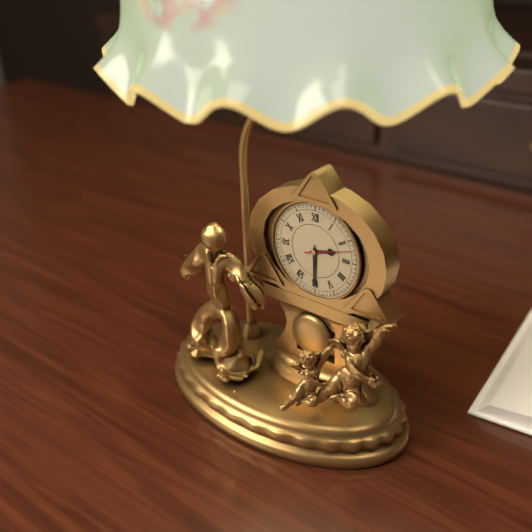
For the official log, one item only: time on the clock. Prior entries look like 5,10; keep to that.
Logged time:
2,30
